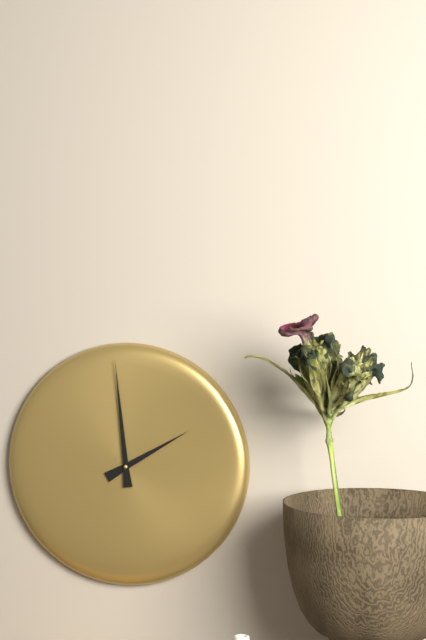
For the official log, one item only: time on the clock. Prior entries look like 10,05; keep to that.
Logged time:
1,59
